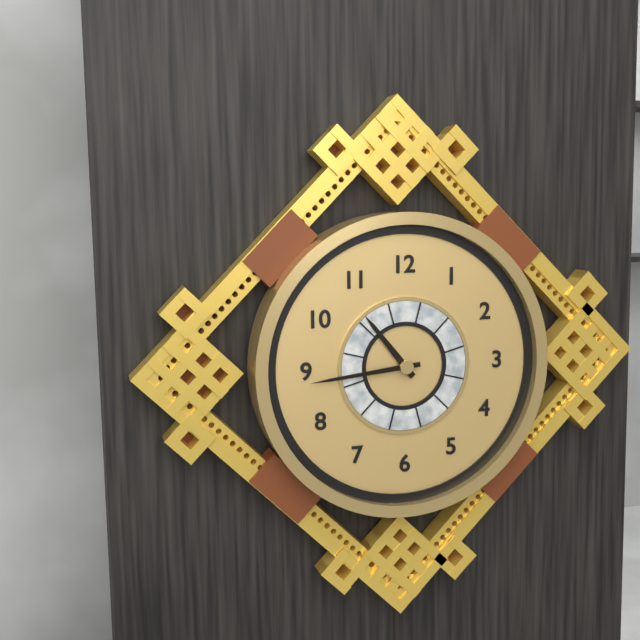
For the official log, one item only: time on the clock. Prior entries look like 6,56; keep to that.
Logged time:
10,44
